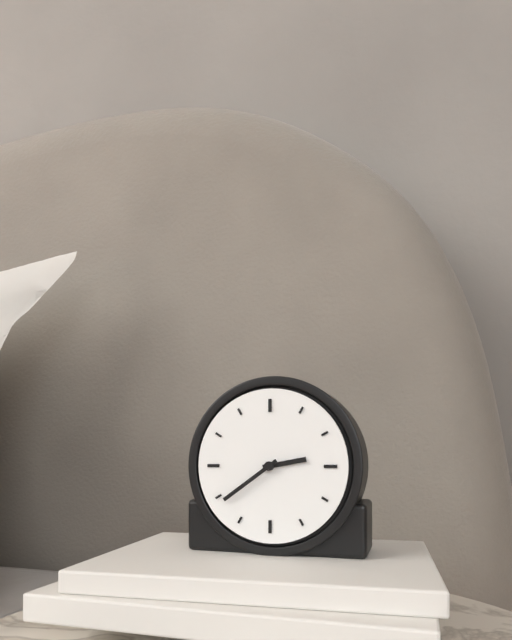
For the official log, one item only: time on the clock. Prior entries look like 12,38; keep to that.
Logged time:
2,39
